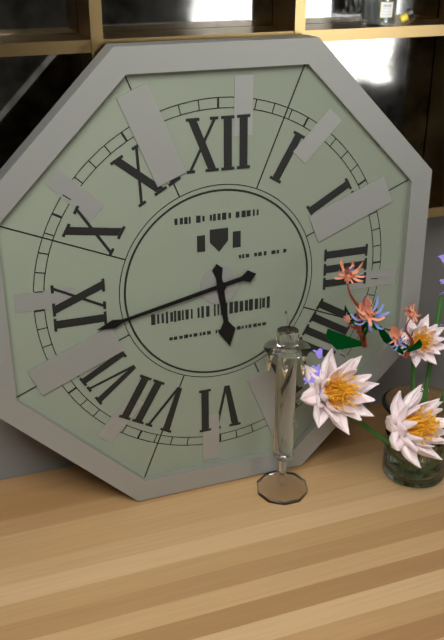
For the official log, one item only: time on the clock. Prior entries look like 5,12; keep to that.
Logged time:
5,43
